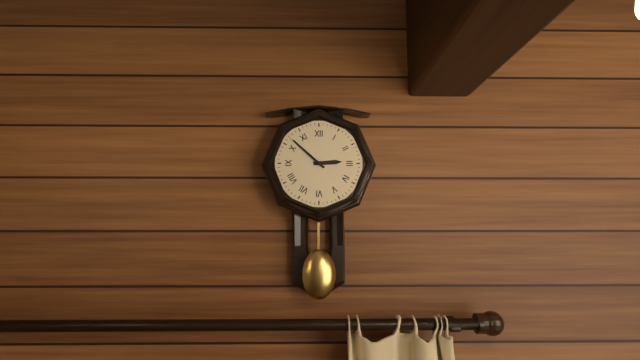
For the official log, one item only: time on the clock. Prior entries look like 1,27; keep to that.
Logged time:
2,52
